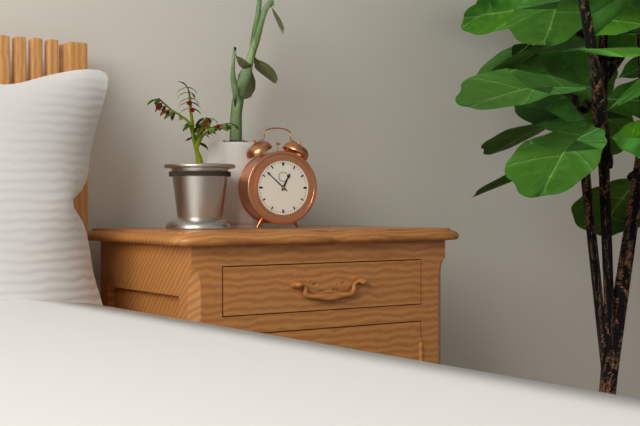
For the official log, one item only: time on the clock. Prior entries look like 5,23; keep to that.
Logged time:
12,52
